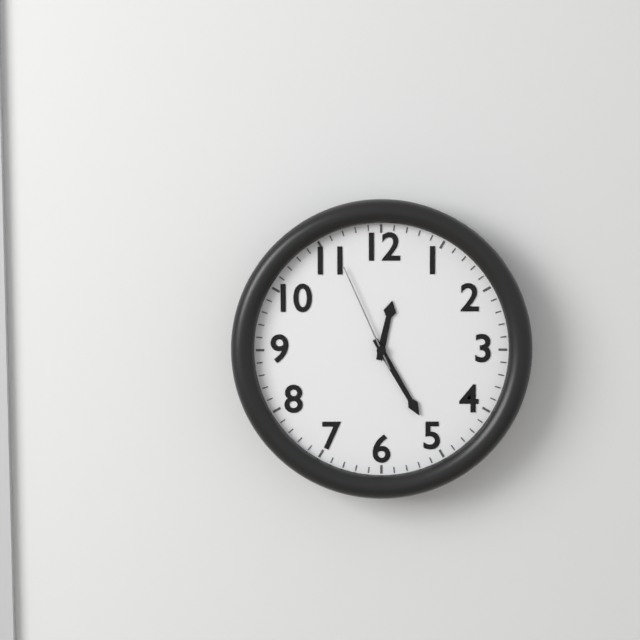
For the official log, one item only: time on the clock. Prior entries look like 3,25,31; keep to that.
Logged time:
12,25,56
